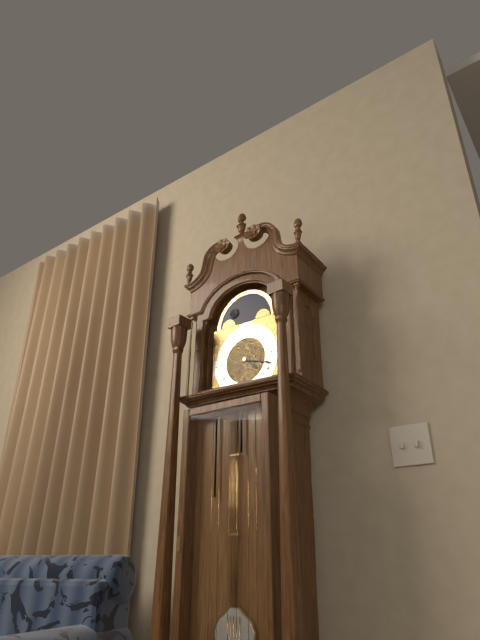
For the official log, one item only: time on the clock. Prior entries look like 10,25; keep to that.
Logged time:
4,18
